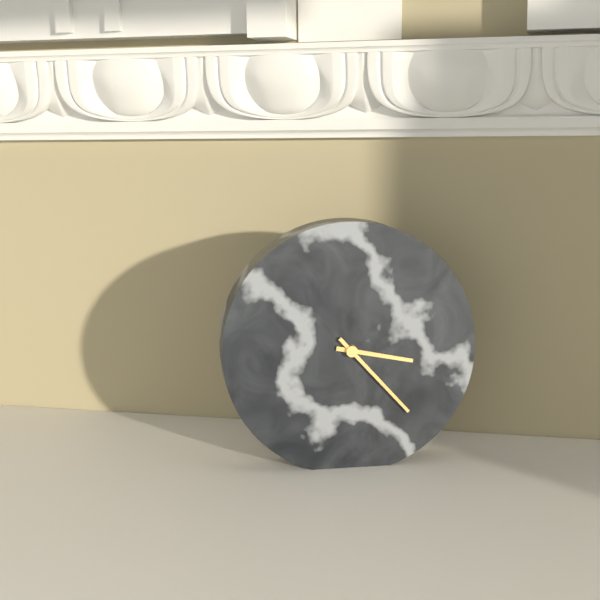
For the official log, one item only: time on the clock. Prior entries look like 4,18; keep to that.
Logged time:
3,23
